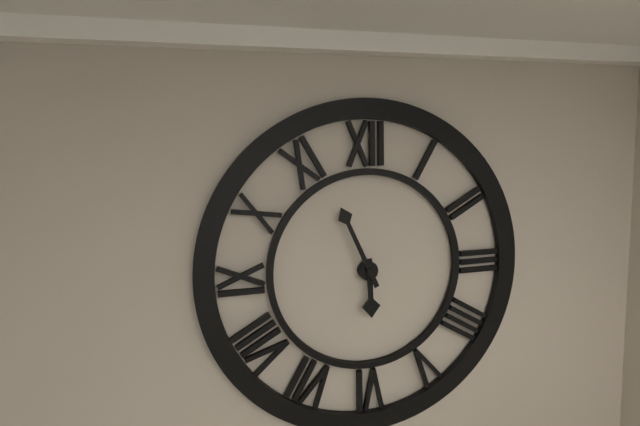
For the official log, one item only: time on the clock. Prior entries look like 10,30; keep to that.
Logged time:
5,56
